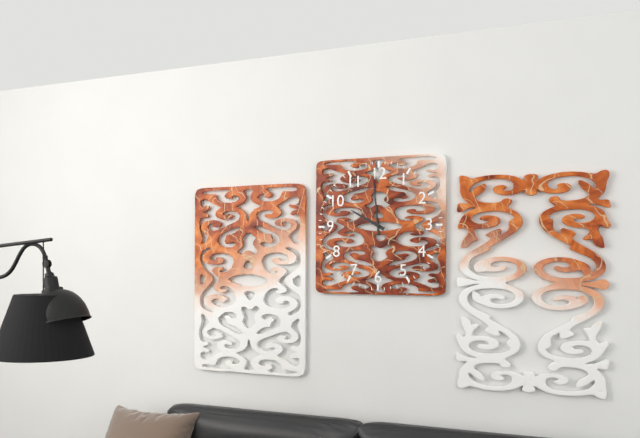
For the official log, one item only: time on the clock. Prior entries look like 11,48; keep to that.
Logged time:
9,59
